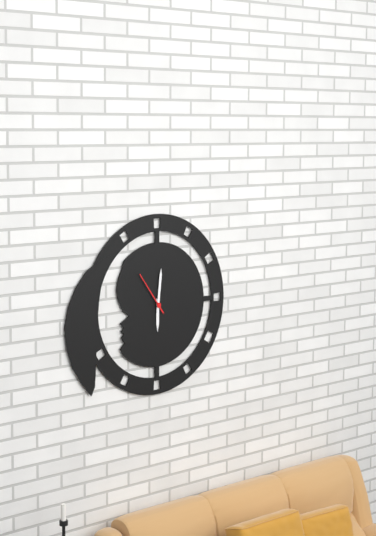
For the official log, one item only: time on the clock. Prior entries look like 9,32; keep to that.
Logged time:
6,01
